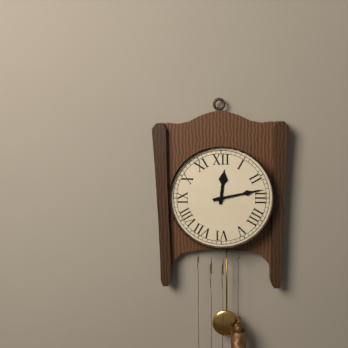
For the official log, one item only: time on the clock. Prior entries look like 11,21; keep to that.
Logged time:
12,13
